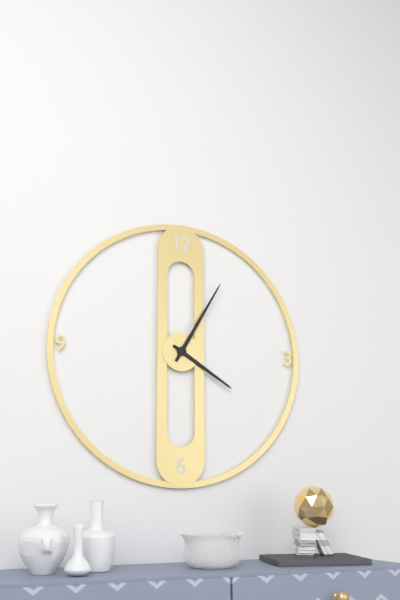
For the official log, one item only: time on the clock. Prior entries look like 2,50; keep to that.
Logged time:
4,05
